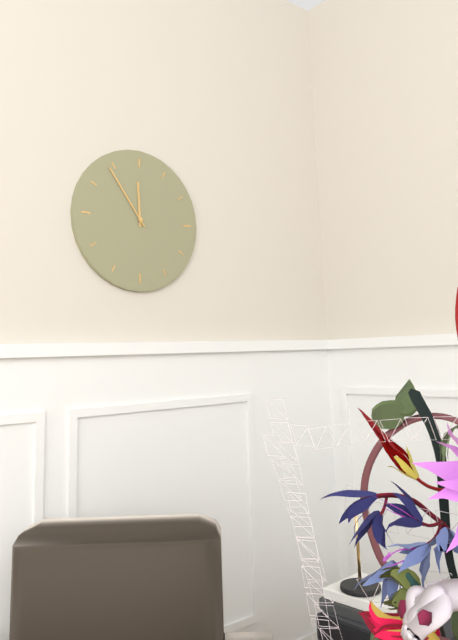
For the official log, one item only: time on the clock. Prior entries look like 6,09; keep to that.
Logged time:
11,54
